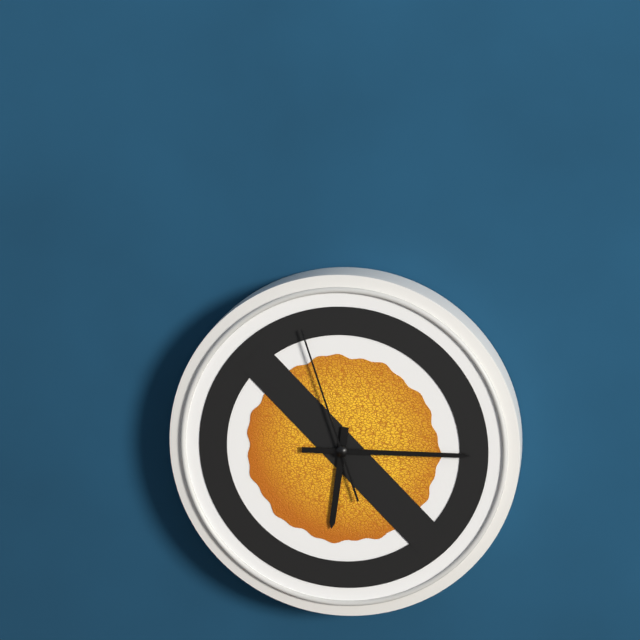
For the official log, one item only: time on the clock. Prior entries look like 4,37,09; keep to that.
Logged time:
6,15,57
